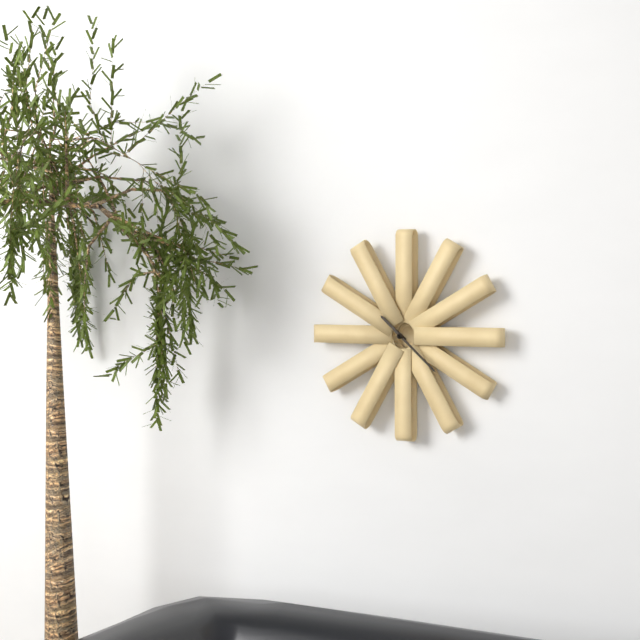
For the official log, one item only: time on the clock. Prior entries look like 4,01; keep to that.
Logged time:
10,22
